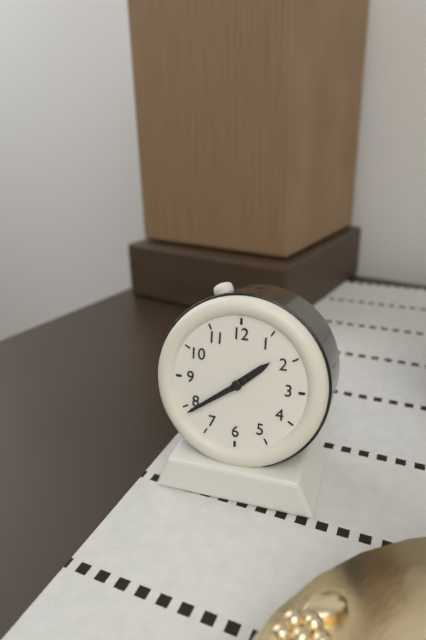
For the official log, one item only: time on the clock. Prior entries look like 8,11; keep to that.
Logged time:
1,39
